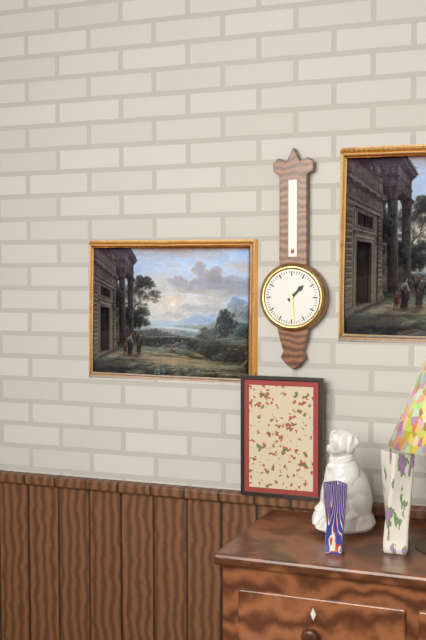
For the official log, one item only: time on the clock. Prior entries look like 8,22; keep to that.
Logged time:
1,29
